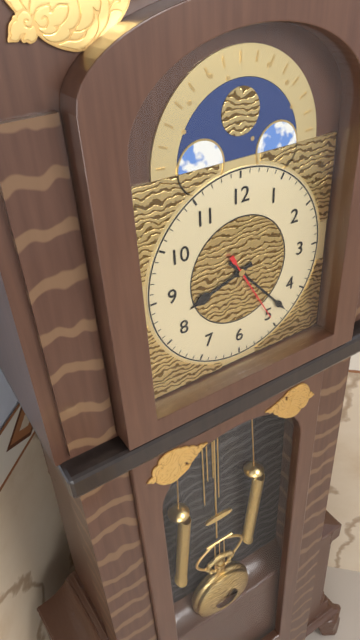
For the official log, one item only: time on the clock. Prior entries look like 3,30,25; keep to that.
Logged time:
8,23,25
